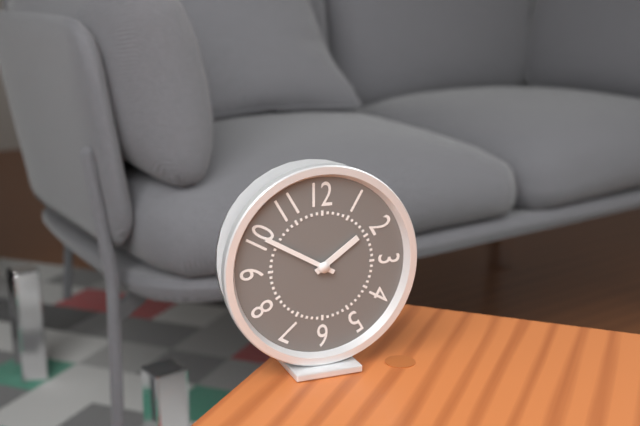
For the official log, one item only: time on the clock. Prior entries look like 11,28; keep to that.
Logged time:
1,50
